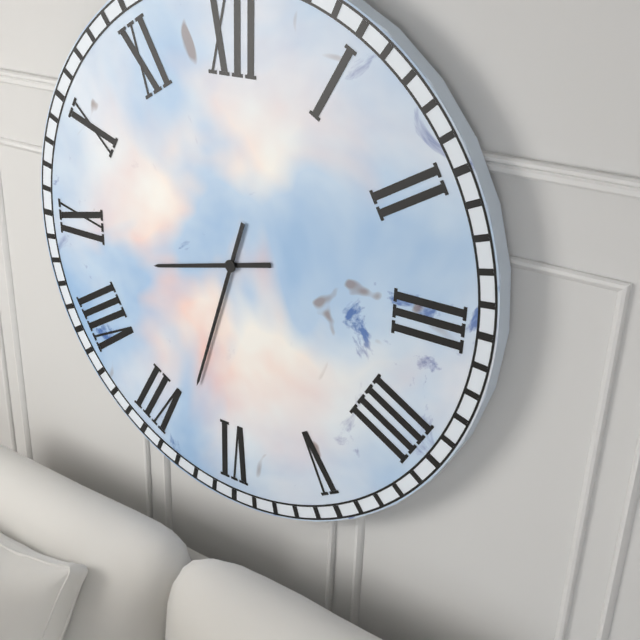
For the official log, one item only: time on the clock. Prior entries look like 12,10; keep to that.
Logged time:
8,33
